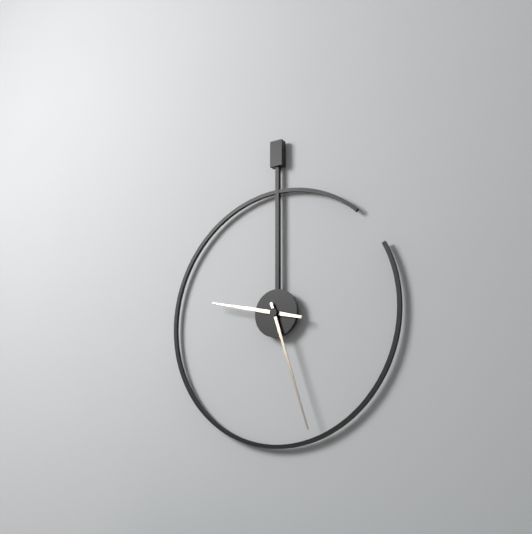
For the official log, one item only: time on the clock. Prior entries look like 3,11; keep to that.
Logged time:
9,27
